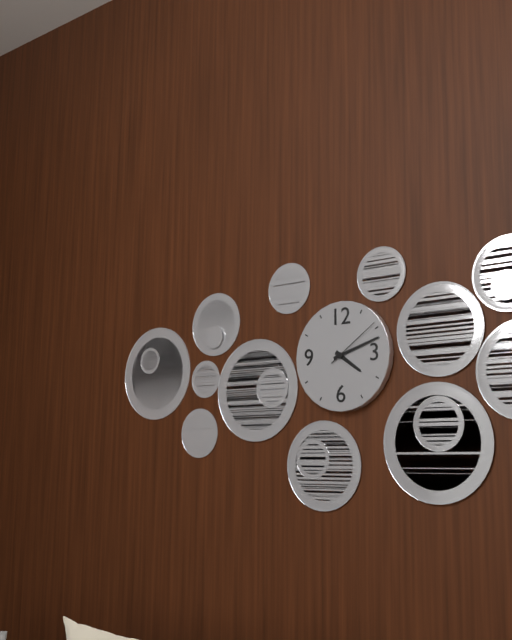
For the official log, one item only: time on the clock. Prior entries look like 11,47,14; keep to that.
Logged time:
4,12,09
